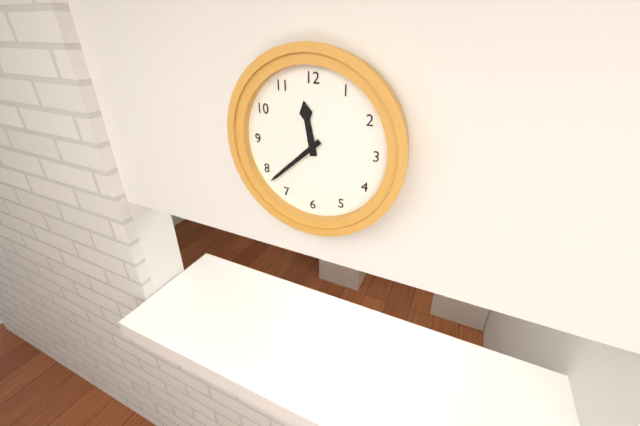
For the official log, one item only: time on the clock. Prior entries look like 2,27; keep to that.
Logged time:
11,38
